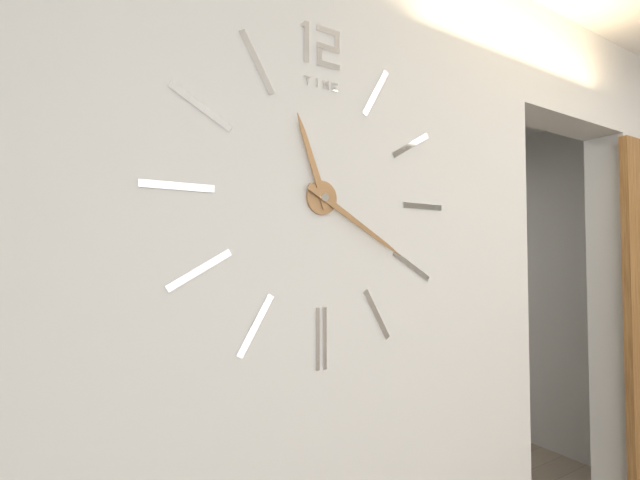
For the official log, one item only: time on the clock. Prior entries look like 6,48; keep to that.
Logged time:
11,20
